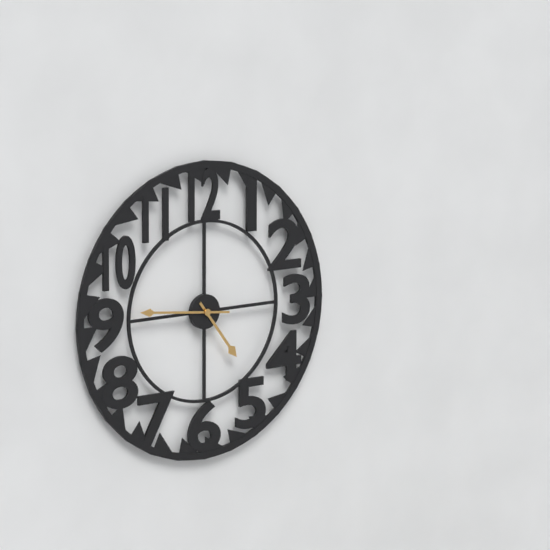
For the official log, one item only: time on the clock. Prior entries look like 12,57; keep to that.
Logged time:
4,46
